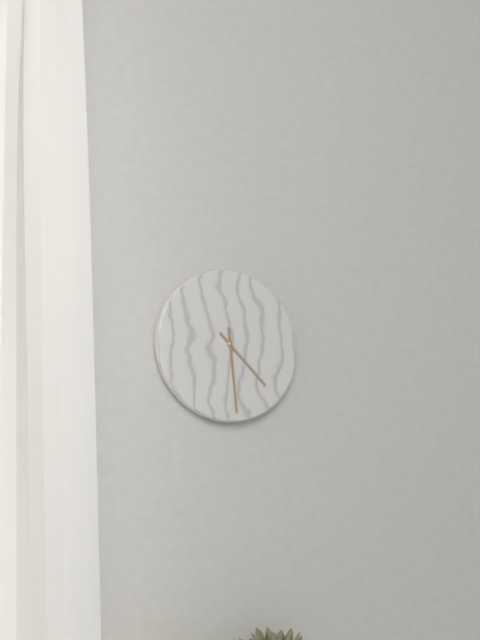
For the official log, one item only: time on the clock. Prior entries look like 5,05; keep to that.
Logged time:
4,29
